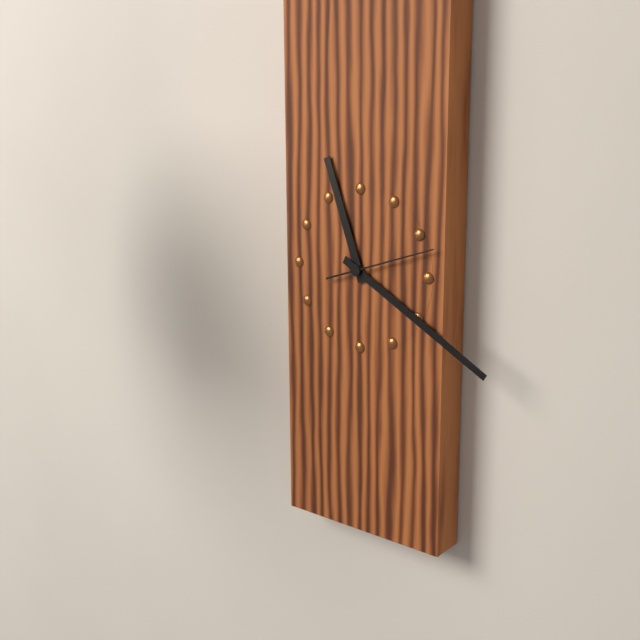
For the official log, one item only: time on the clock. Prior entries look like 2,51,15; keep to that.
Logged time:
11,20,12
